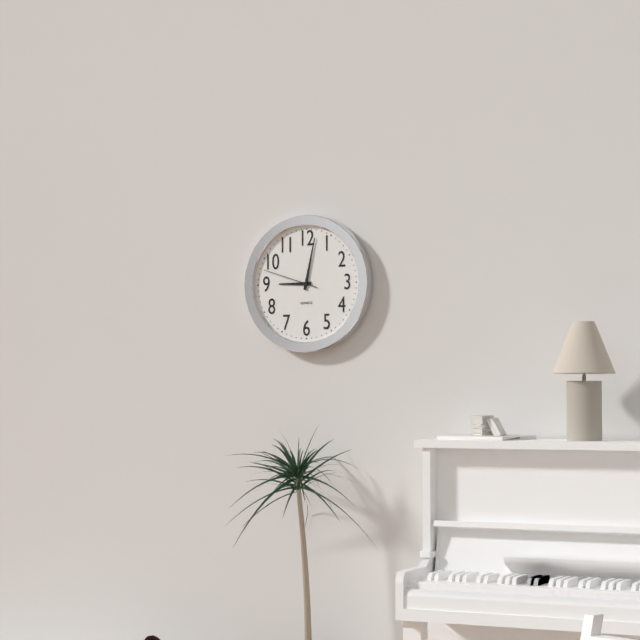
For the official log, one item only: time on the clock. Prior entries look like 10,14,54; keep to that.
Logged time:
9,02,48
